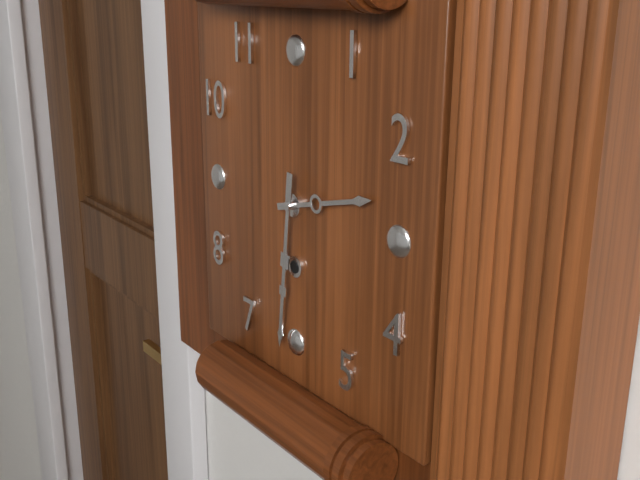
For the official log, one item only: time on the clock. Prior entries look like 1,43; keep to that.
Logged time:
2,31
